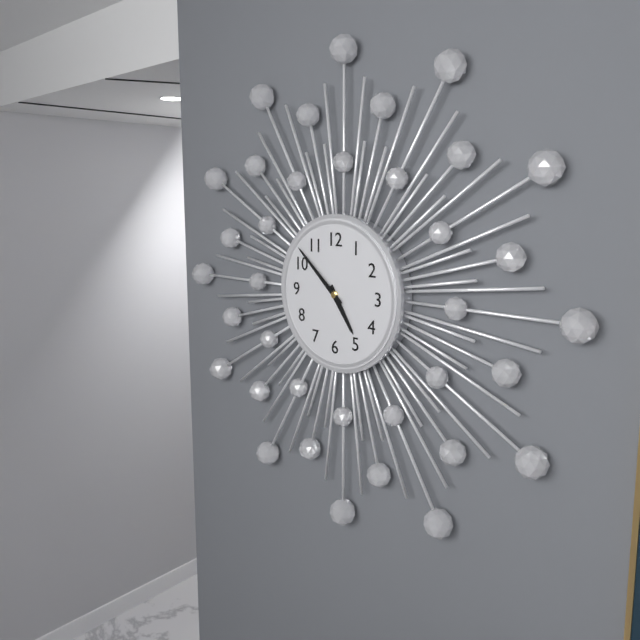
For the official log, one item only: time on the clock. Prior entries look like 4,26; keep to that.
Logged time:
4,52
